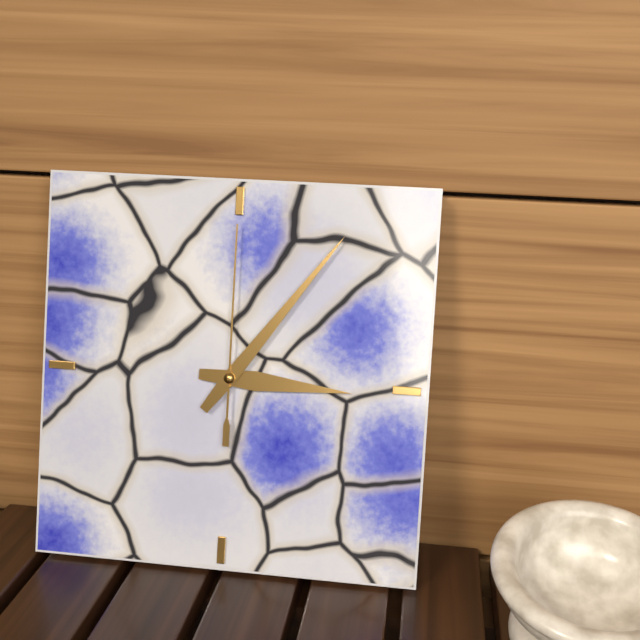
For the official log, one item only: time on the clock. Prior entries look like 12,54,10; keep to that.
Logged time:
3,06,00
